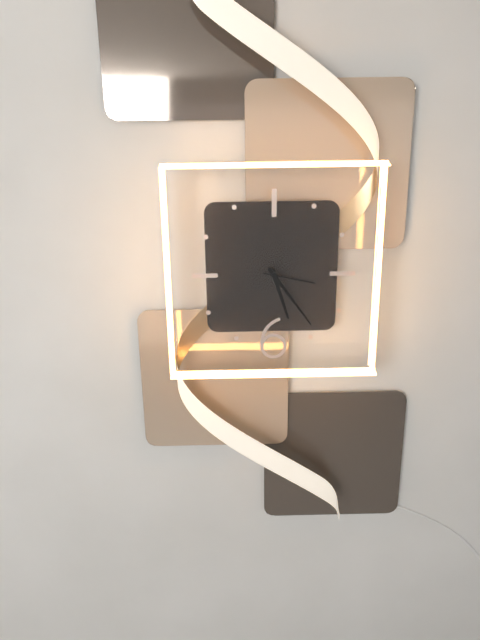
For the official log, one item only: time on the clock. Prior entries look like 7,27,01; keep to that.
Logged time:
5,24,17
